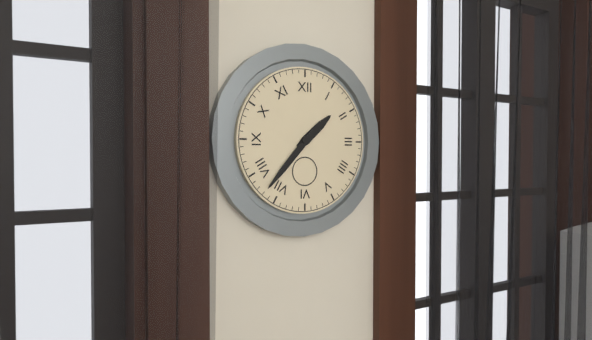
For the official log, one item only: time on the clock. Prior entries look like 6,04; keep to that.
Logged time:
1,37
